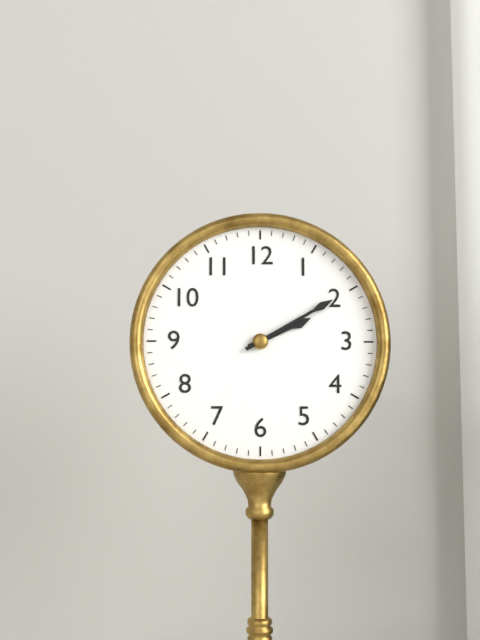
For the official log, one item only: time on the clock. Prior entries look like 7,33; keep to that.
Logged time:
2,10
